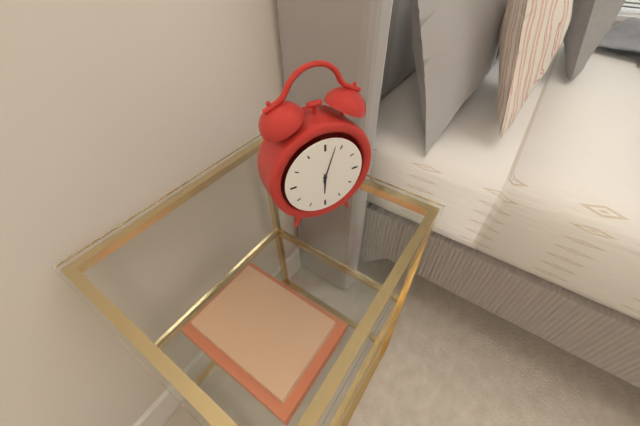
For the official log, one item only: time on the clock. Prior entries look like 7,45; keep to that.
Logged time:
6,03
